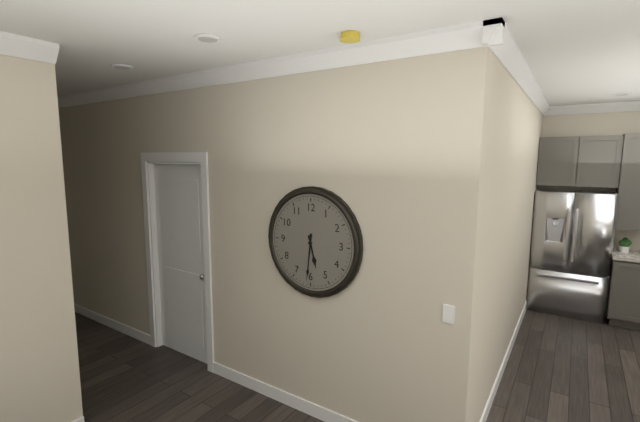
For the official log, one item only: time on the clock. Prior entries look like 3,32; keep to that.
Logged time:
5,31
